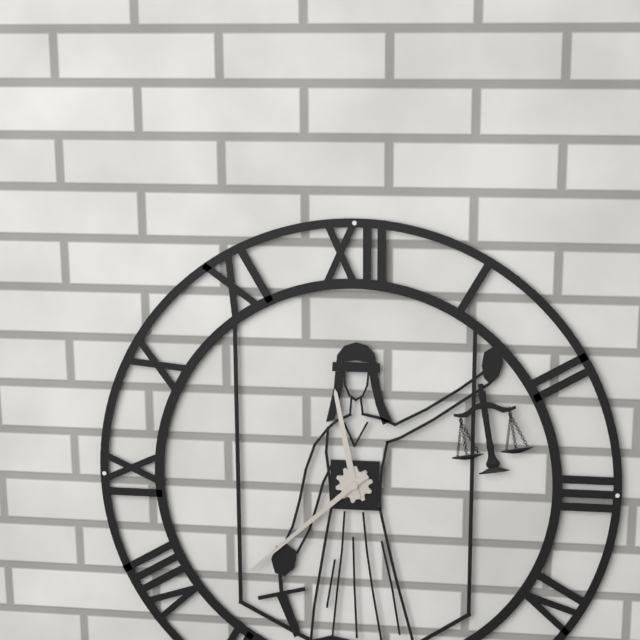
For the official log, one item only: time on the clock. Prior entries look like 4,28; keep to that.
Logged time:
11,38
